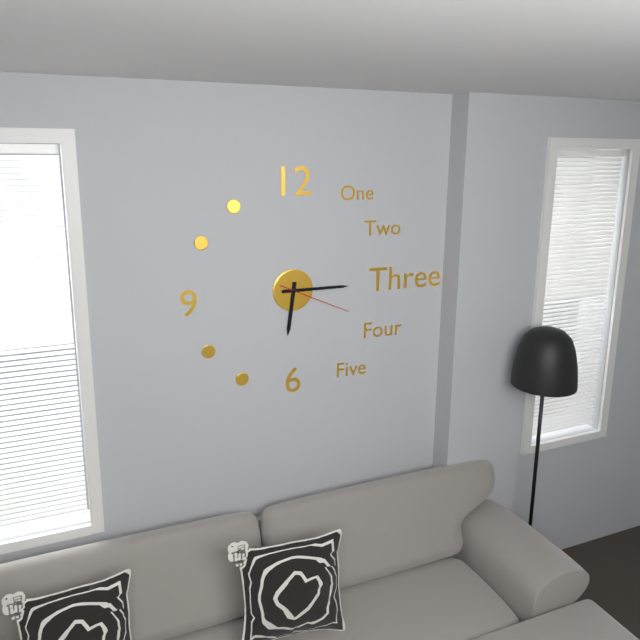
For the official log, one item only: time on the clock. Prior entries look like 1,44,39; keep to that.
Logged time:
6,15,19
